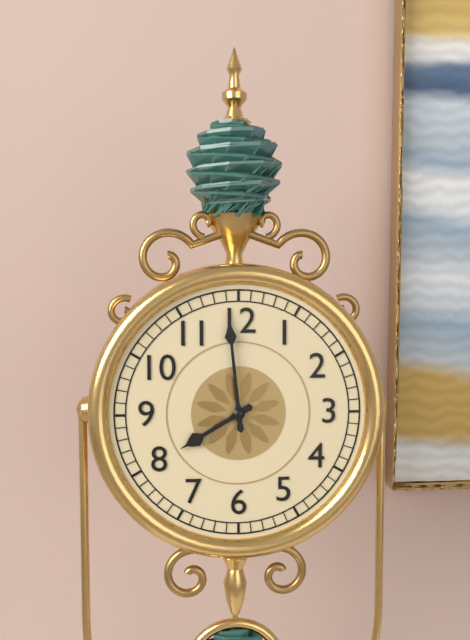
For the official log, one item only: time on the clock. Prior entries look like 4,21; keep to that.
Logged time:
7,59
